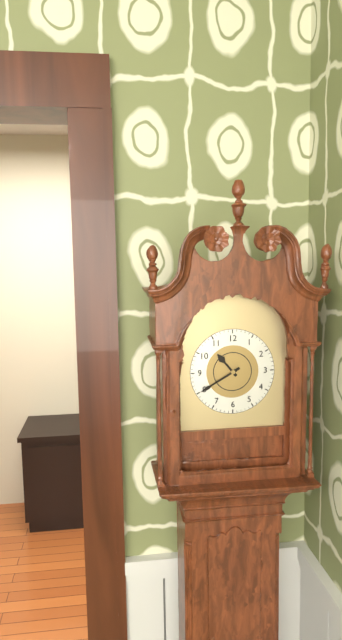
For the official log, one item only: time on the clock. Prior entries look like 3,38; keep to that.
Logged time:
10,40
